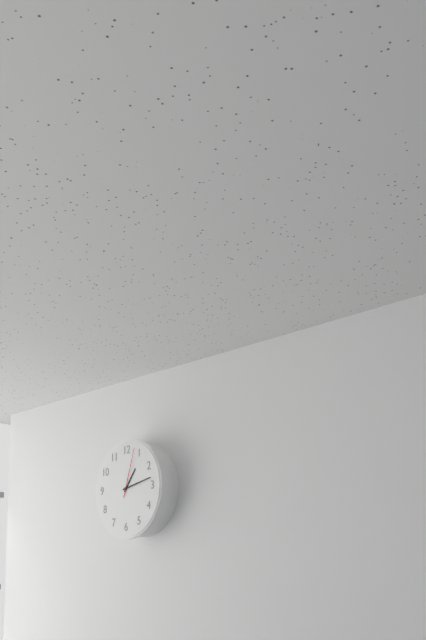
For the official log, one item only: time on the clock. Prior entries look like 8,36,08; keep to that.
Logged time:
1,13,03
